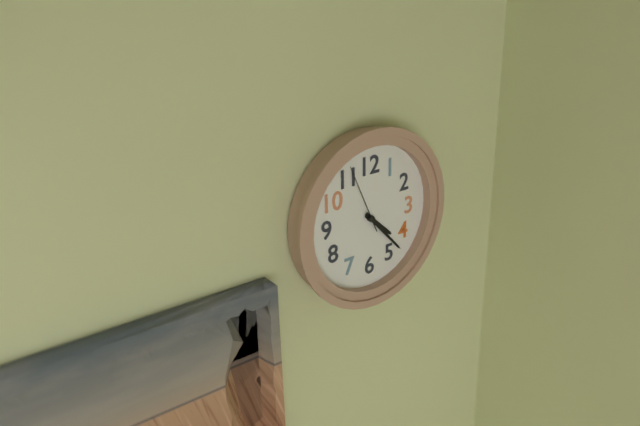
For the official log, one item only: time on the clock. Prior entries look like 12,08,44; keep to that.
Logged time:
4,23,56
